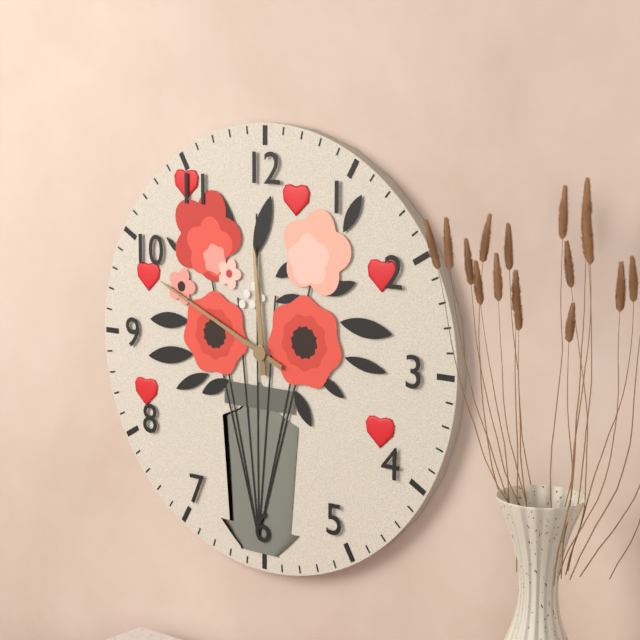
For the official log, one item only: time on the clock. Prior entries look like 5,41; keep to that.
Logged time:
11,49
